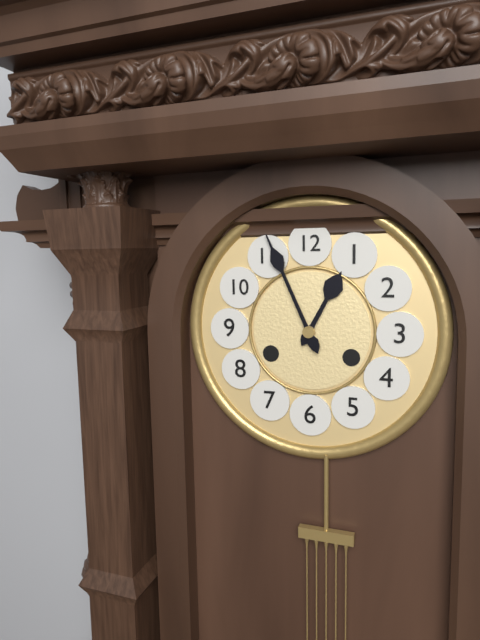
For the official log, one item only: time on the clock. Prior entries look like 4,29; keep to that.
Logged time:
12,56
